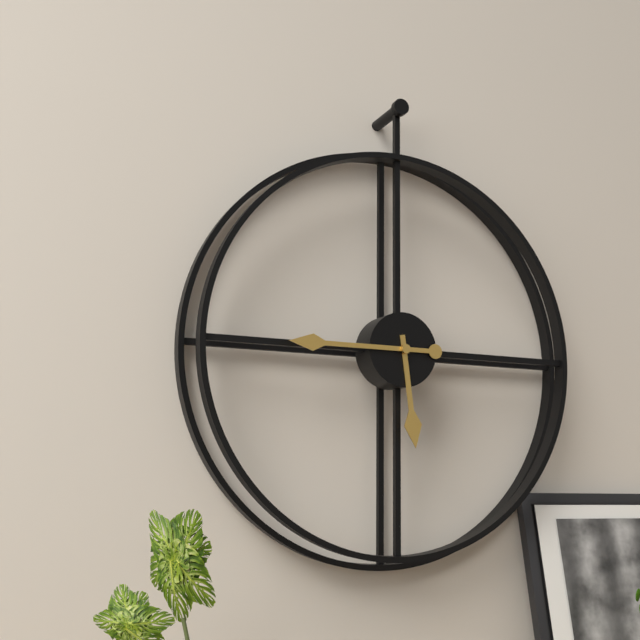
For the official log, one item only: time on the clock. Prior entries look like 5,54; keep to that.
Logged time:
5,45
